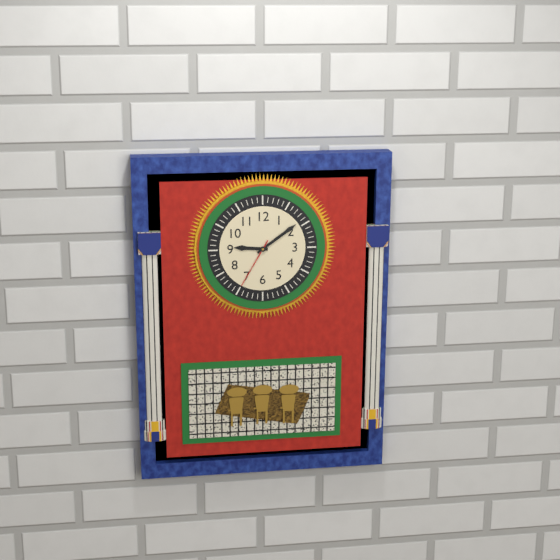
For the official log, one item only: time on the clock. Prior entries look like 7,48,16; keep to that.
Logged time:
9,09,35
